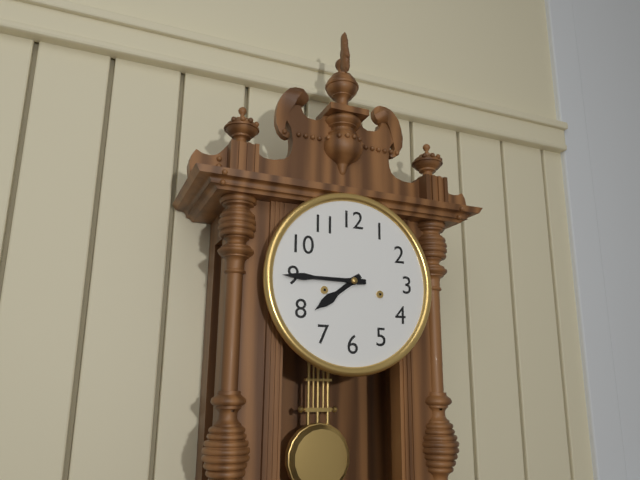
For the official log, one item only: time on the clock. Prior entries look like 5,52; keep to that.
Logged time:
7,45
